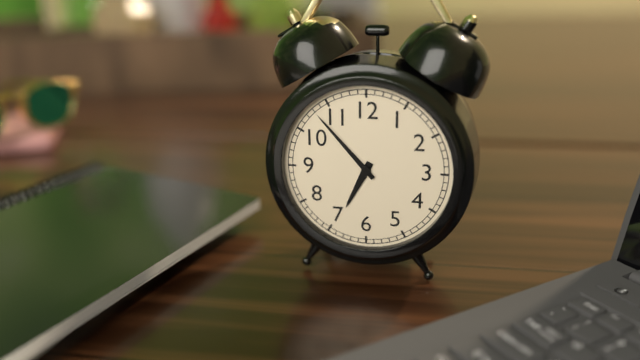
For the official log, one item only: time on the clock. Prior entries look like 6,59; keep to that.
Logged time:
6,53
